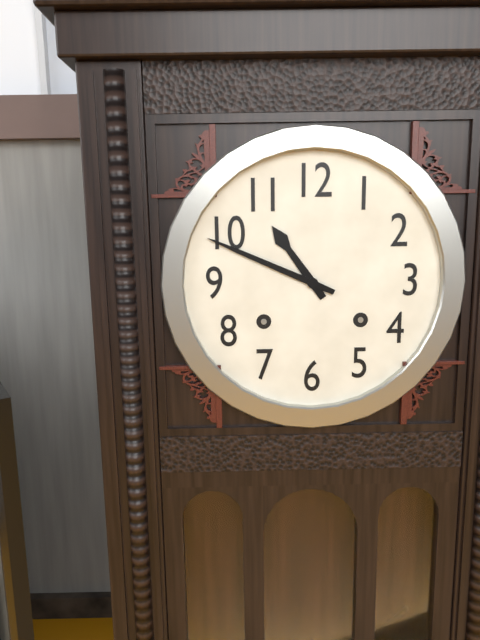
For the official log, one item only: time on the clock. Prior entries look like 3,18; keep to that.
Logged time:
10,49
